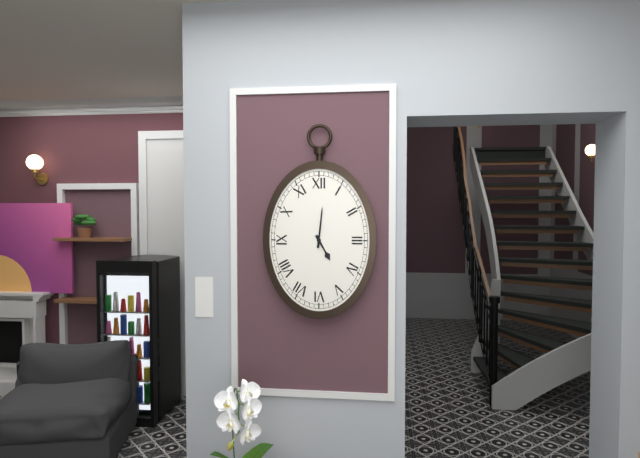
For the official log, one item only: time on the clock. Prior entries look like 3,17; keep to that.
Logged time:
5,01
